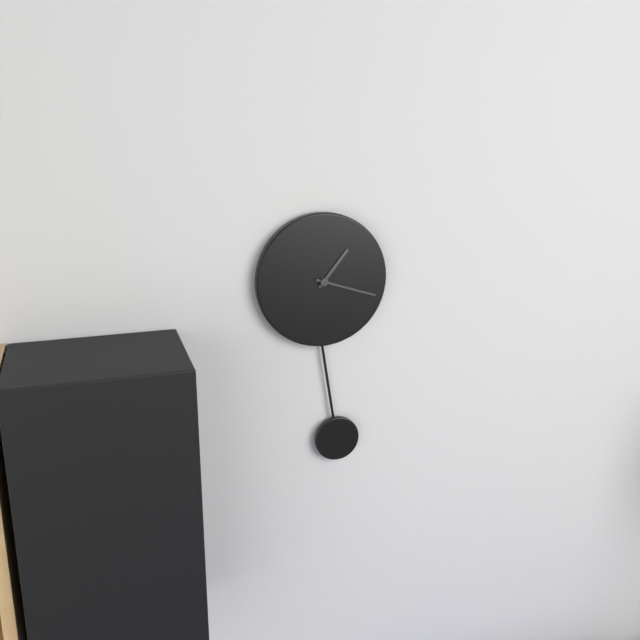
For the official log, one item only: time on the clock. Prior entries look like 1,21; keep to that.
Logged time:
1,18
